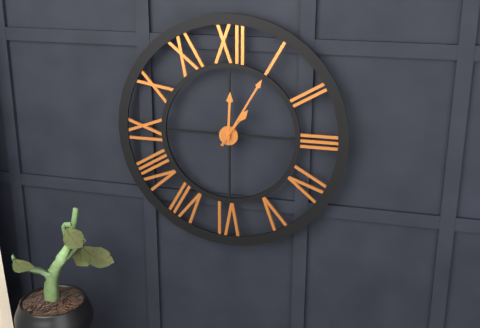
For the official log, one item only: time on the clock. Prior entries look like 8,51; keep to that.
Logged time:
12,05
